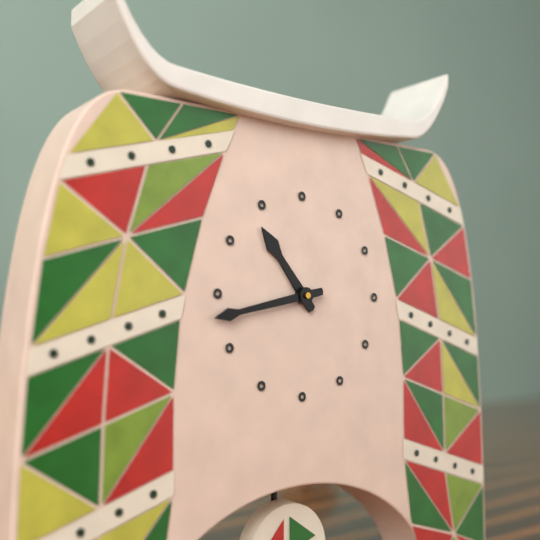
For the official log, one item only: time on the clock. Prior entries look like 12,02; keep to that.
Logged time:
10,43
